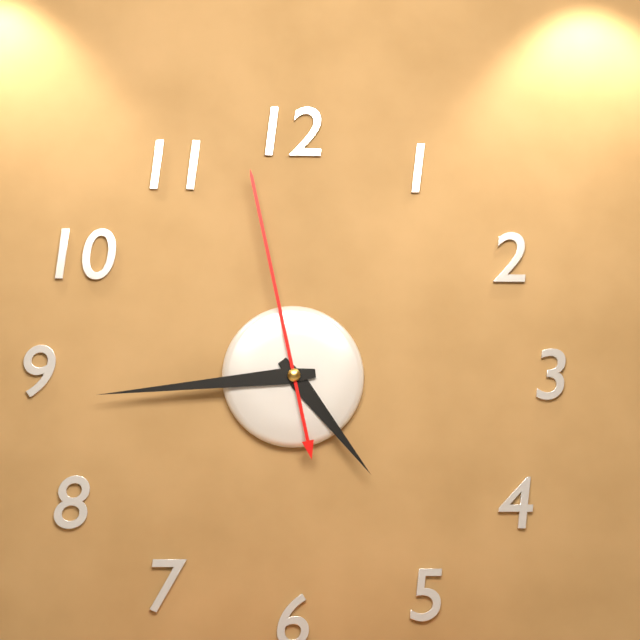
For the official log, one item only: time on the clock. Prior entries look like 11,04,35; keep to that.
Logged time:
4,44,58
